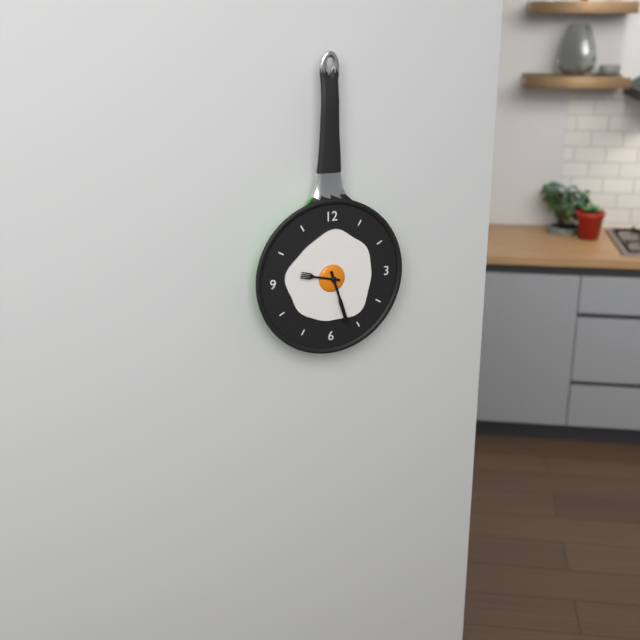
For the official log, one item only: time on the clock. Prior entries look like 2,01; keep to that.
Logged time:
9,27
